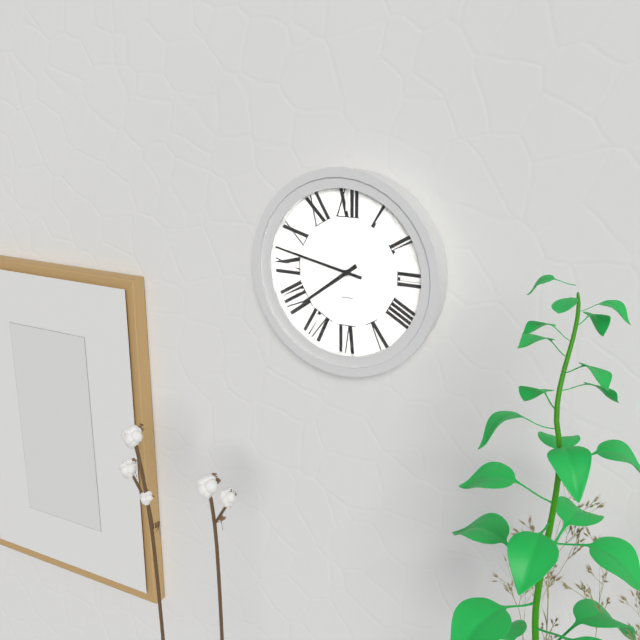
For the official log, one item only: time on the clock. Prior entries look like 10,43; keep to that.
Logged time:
7,47
